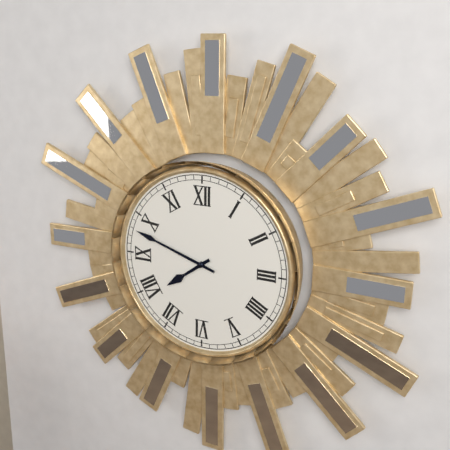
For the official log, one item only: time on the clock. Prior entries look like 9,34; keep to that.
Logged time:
7,48
